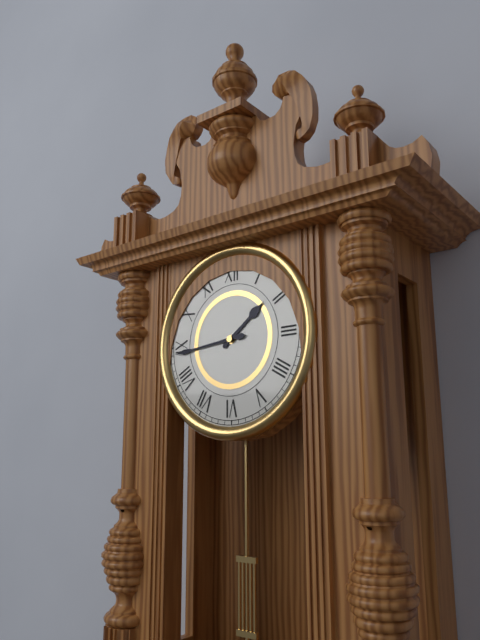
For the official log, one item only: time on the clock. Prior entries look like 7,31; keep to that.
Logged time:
1,44
